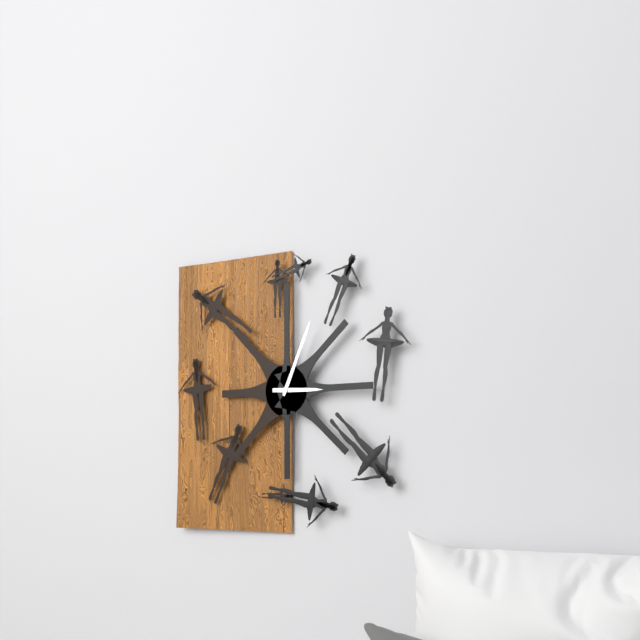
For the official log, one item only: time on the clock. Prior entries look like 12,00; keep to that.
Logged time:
3,04
